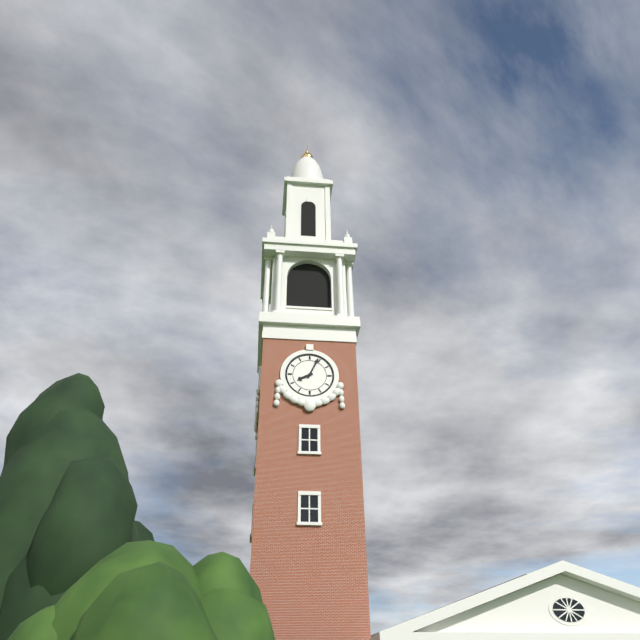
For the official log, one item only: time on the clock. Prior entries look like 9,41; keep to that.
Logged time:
8,04
